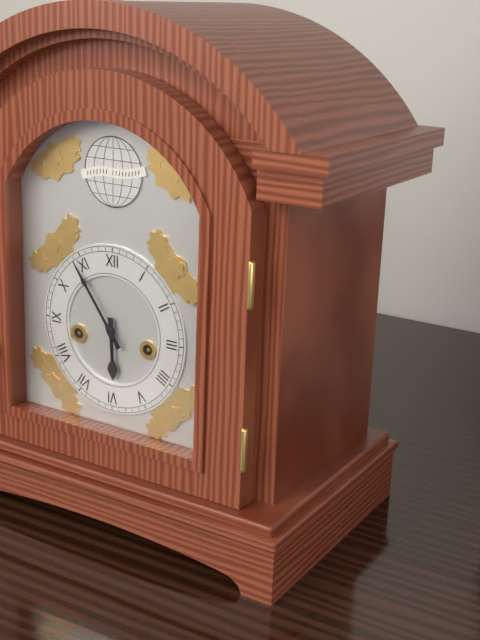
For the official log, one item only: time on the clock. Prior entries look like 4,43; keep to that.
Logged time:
5,54
